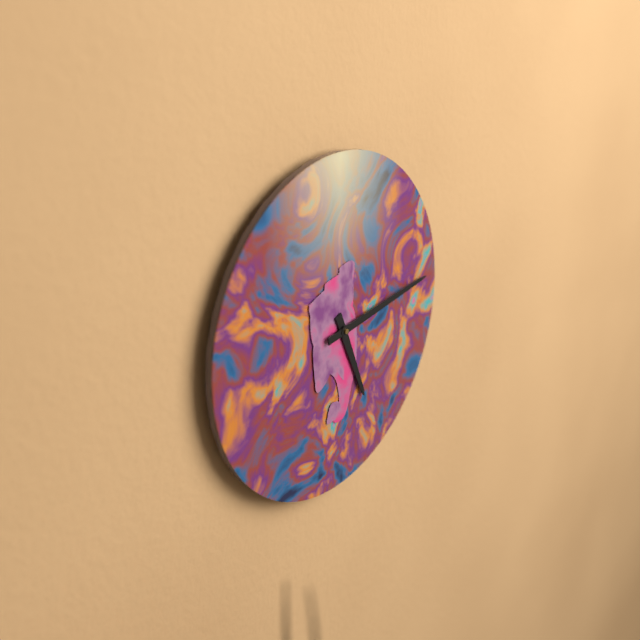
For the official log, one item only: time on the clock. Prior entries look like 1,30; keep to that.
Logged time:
5,14
